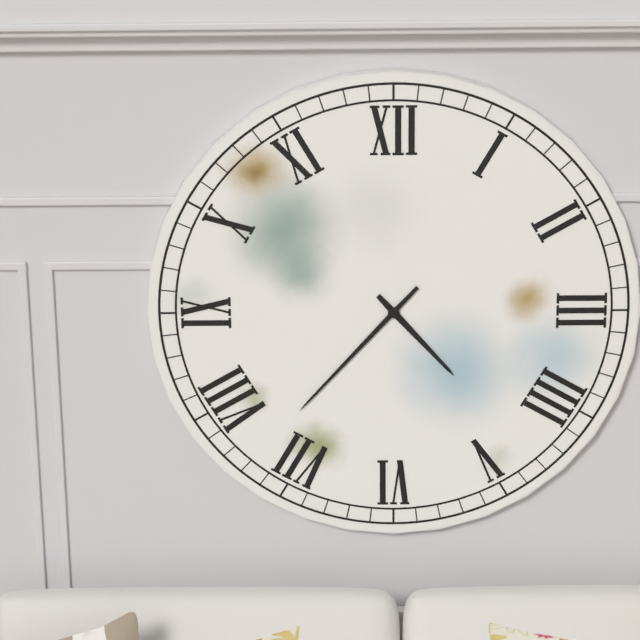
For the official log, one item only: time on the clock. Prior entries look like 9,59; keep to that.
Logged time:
4,37
